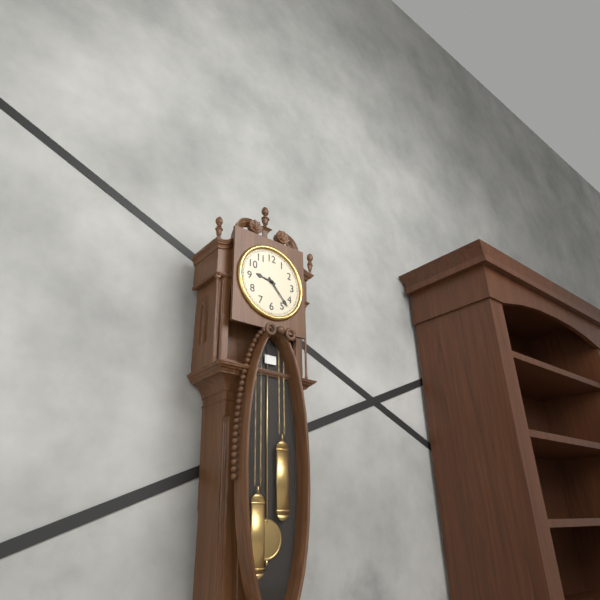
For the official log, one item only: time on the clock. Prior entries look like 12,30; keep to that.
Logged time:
9,23
